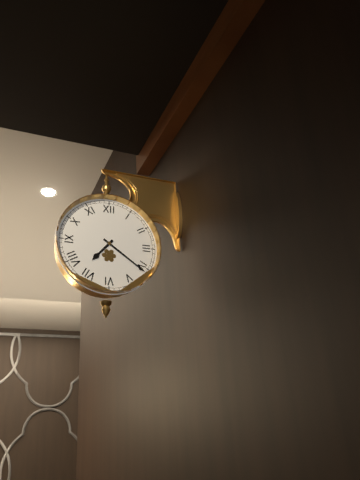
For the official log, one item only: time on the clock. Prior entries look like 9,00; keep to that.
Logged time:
7,21
